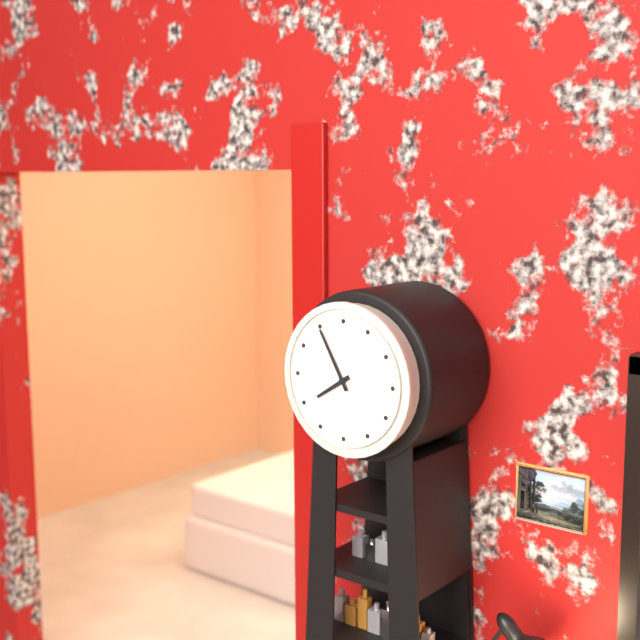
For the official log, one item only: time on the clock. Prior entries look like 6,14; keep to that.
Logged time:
7,55
